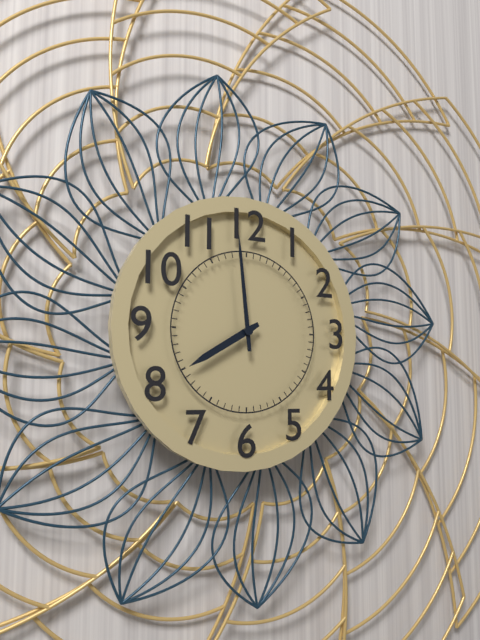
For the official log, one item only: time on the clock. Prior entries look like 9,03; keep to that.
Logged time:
7,59
